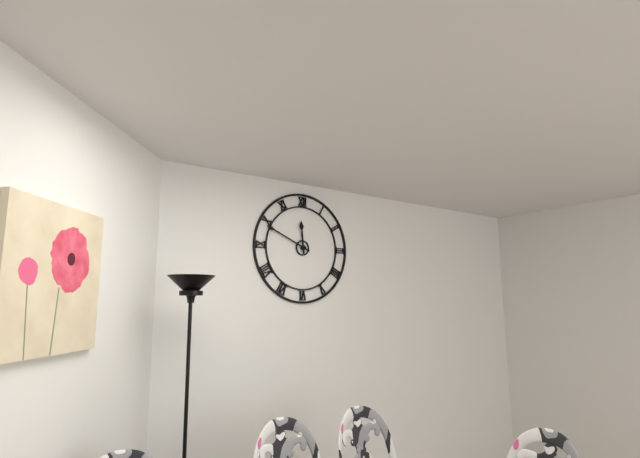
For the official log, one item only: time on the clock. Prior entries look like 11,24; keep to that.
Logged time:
11,49
